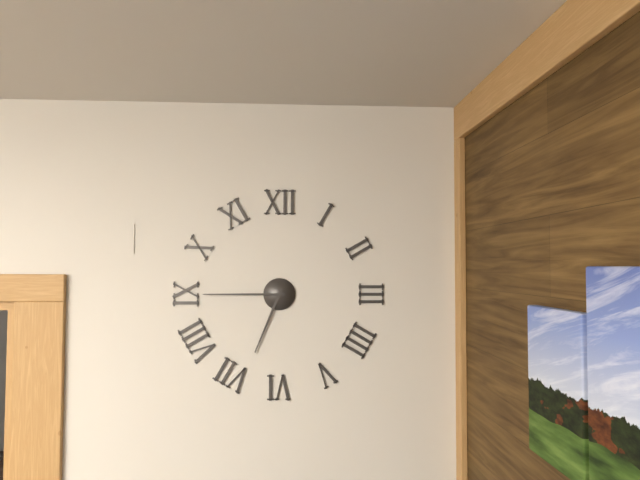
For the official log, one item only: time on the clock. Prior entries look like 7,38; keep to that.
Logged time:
6,45
